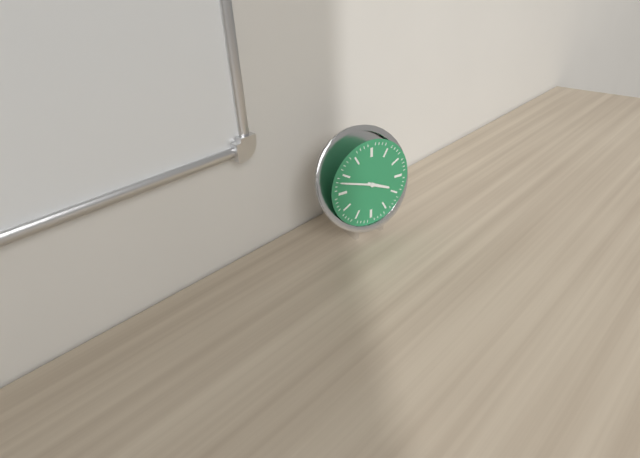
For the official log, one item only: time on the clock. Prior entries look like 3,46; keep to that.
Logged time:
3,48
